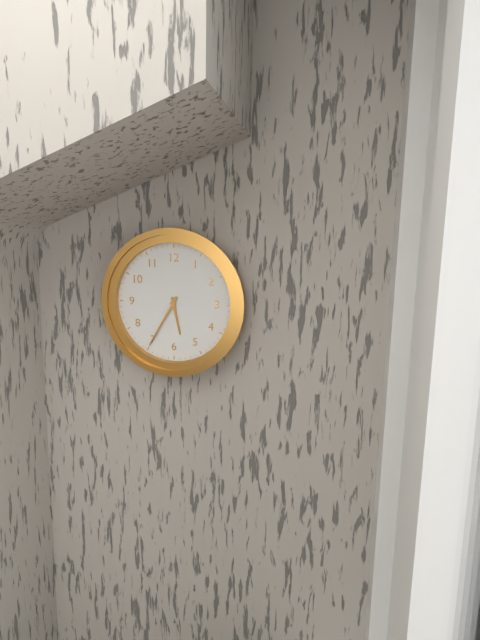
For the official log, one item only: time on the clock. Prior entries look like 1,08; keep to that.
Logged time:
5,35
